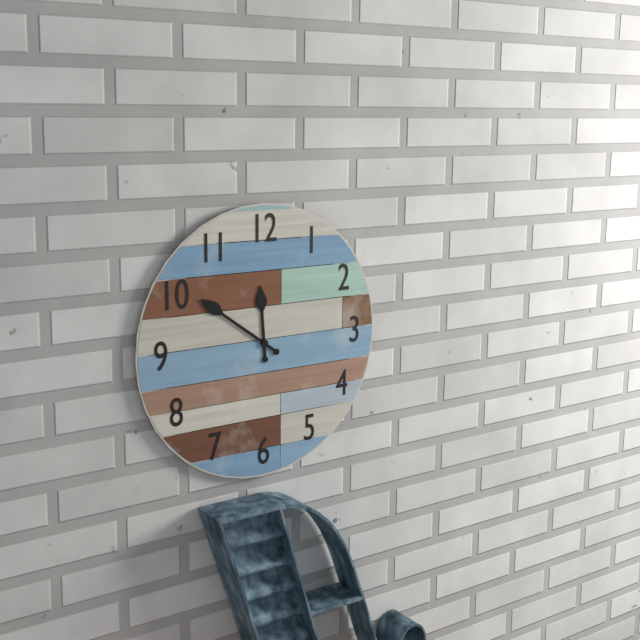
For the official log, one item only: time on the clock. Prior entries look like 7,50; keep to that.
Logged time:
11,51
